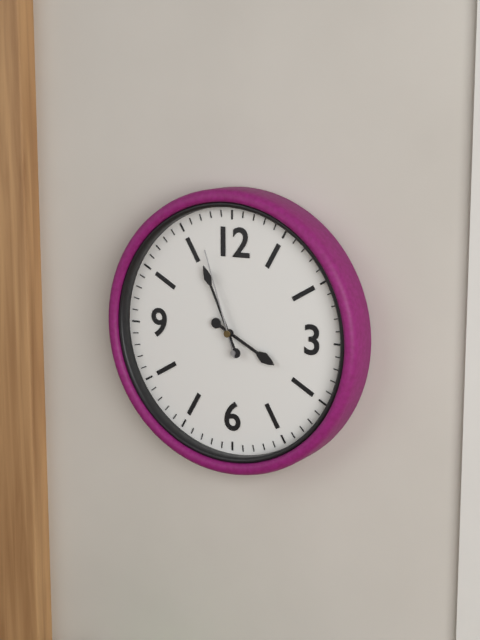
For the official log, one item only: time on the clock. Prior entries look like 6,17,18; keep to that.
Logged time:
3,56,57
